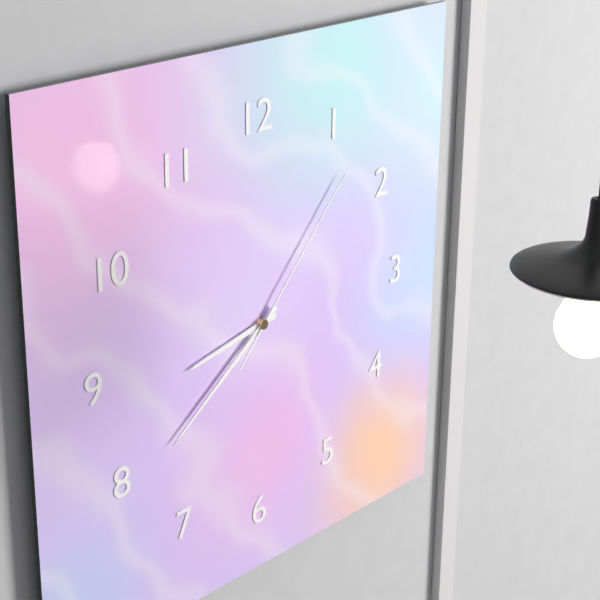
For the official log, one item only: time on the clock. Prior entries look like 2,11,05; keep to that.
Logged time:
8,39,07
